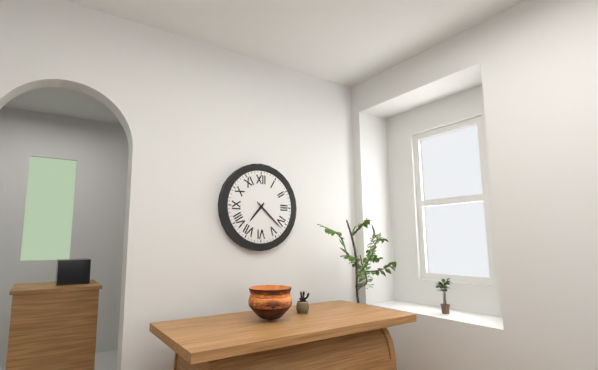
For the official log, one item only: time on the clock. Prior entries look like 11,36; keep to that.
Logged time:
7,22
